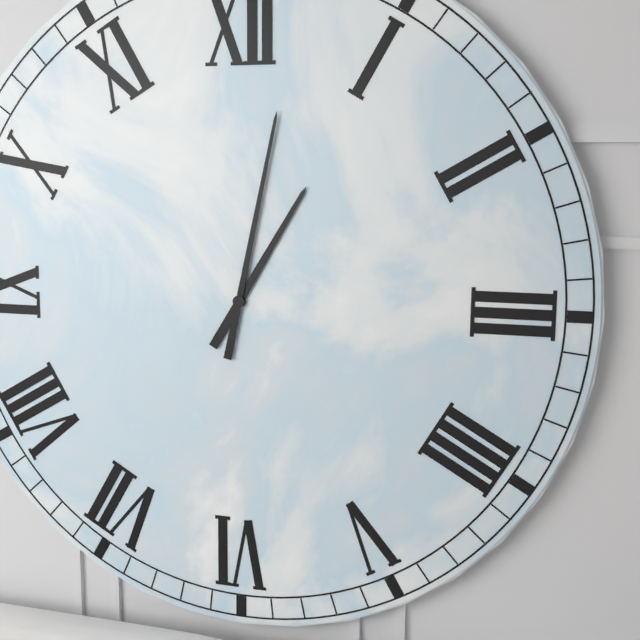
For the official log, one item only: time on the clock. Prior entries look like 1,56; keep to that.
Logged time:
1,02
